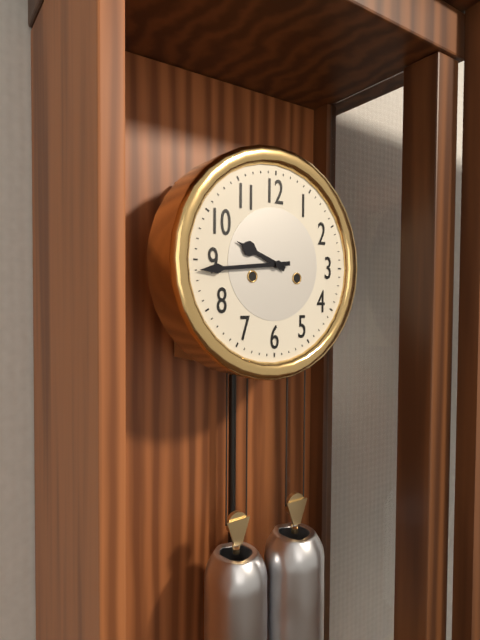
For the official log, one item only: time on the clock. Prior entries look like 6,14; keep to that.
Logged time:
9,44
